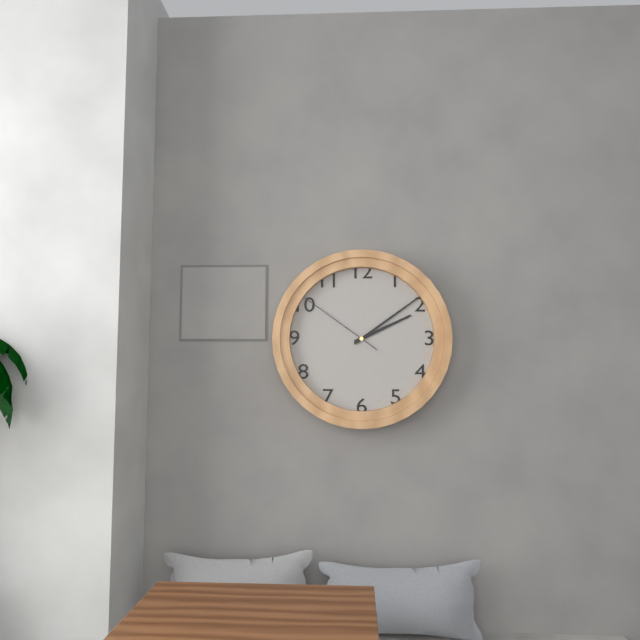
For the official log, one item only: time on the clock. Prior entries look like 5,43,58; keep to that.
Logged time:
2,09,51
